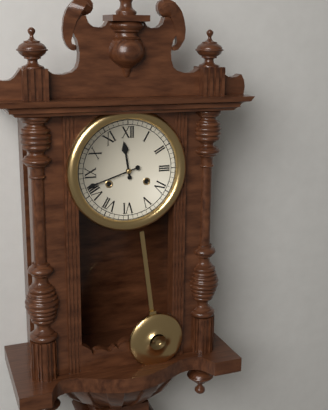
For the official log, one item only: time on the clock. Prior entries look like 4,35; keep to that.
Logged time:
11,42
